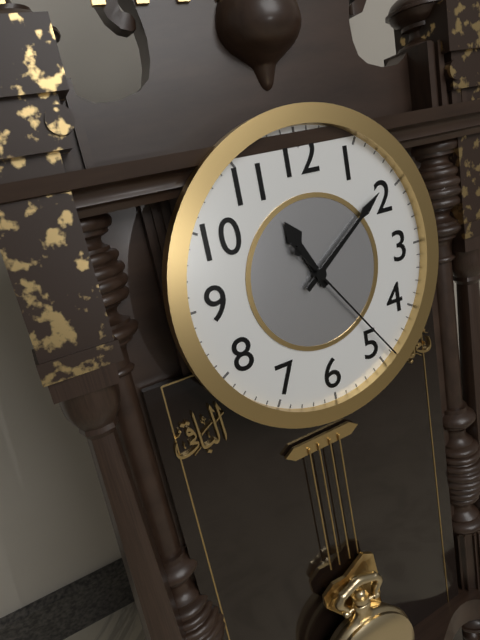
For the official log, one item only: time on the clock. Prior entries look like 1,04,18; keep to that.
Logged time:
11,09,24
